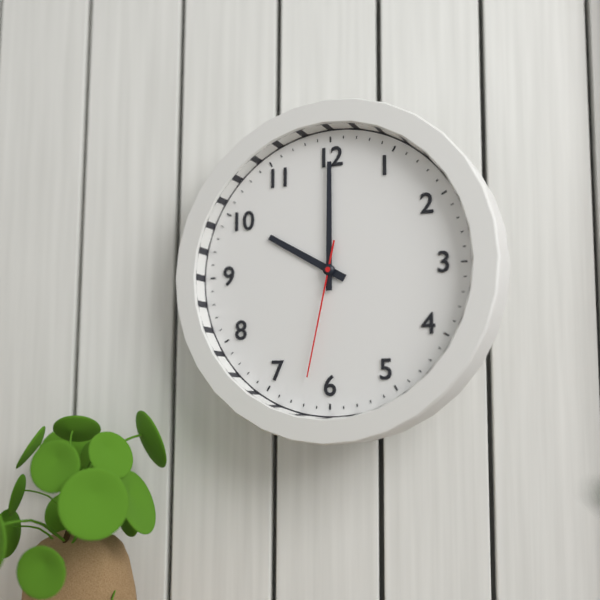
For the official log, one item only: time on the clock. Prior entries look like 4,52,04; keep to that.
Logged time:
10,00,32
